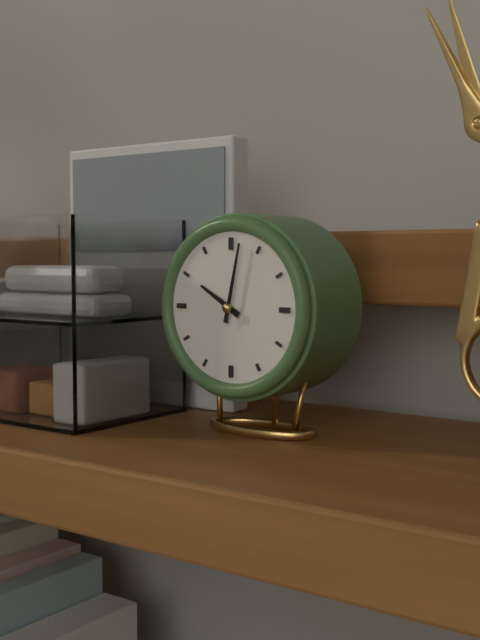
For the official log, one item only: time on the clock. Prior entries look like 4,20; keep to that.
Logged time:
10,02
